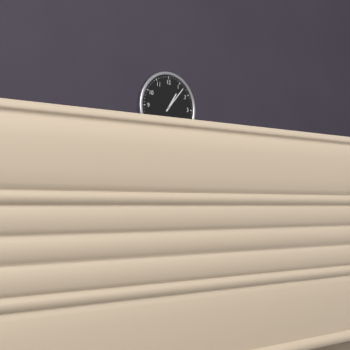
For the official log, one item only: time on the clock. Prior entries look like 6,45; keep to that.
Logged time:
1,07
